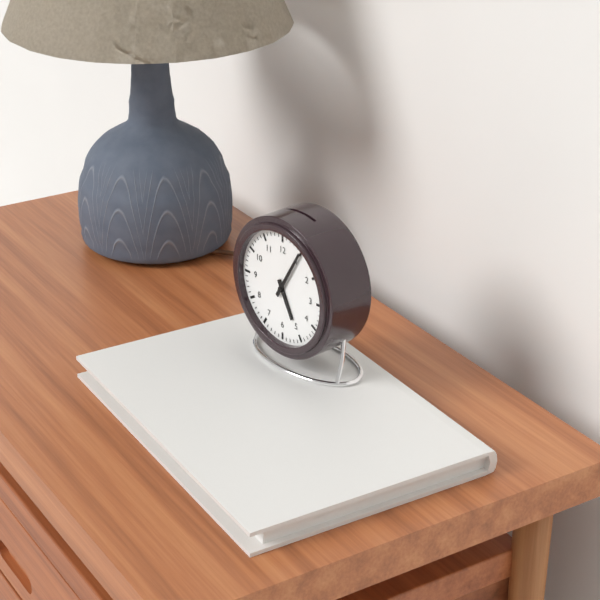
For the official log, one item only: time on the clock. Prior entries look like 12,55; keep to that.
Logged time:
5,05
